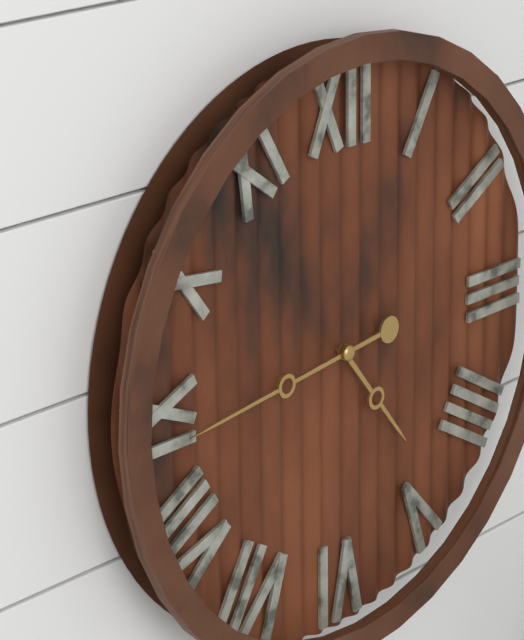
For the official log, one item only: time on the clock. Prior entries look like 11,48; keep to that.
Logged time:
4,44
